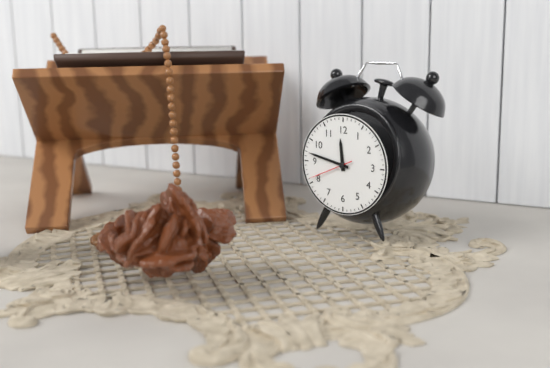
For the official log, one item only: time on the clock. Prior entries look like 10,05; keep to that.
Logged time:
11,47
